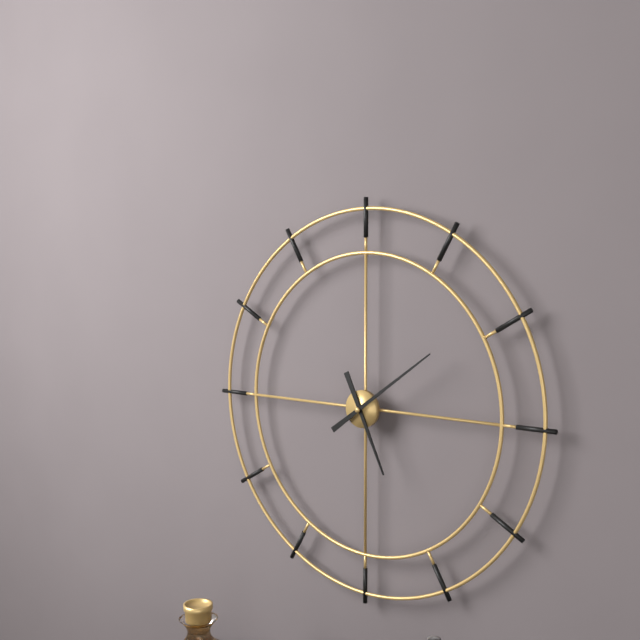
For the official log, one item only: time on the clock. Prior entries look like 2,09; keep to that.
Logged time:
5,09
